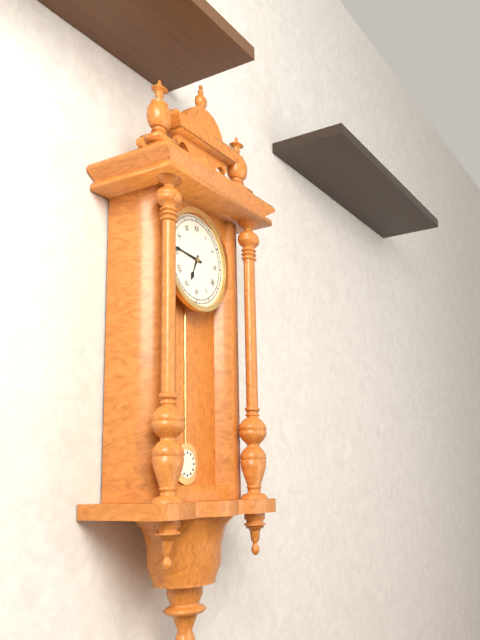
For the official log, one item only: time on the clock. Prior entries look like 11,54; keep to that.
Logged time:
6,46
